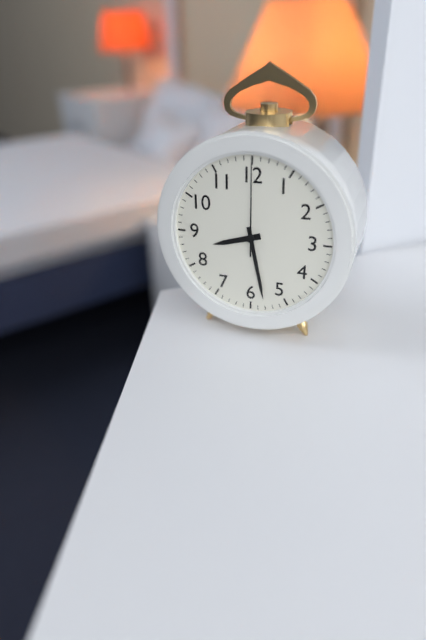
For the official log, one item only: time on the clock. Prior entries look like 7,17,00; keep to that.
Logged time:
8,28,00
